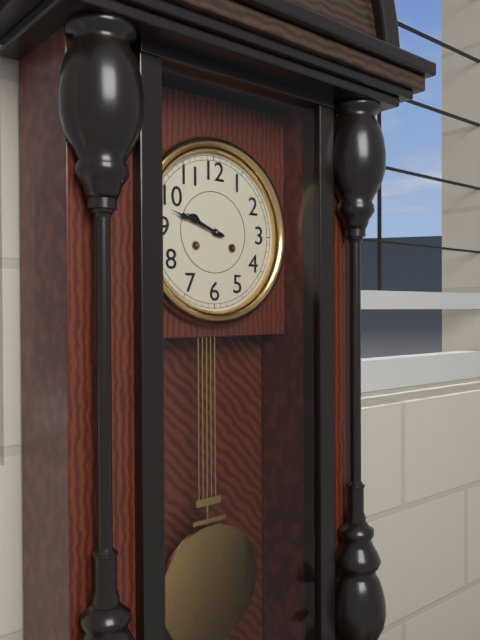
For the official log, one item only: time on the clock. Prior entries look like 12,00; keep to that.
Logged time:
9,48
